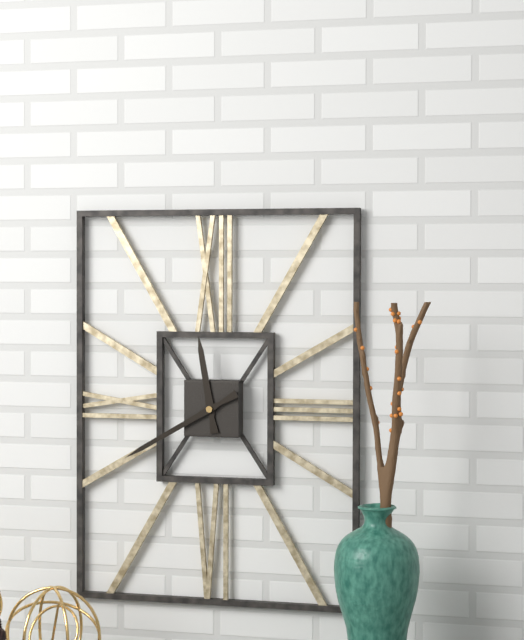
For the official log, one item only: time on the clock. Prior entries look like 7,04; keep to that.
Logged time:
11,40
